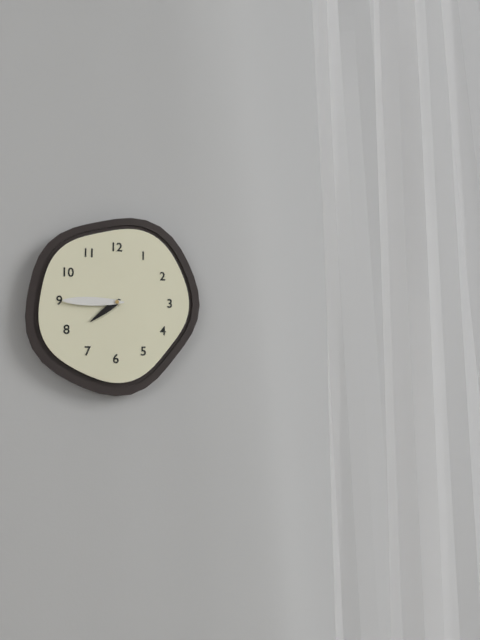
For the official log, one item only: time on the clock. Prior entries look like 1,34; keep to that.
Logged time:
7,45
